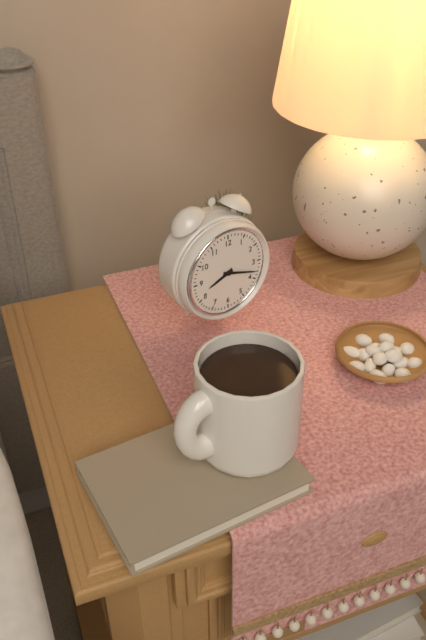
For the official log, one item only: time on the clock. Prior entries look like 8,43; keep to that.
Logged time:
8,18
